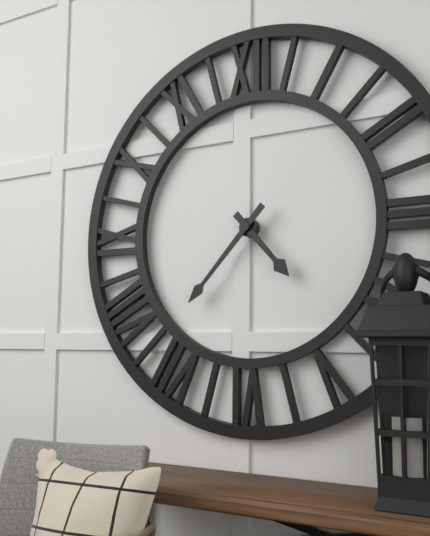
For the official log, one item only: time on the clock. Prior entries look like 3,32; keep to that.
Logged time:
4,37
